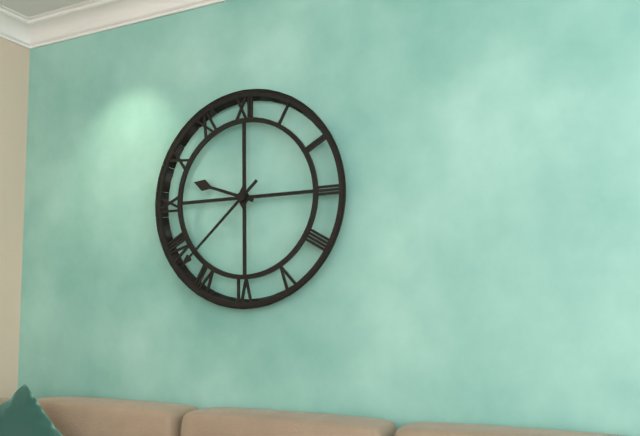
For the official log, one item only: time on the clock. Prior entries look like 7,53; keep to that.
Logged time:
9,38
